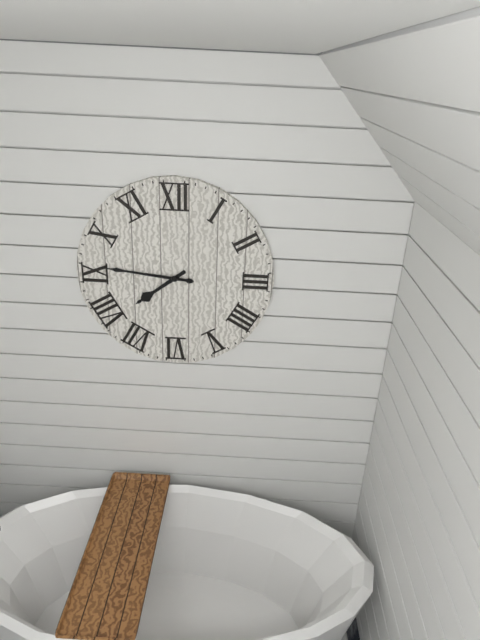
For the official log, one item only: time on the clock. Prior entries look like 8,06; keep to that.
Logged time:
7,46
